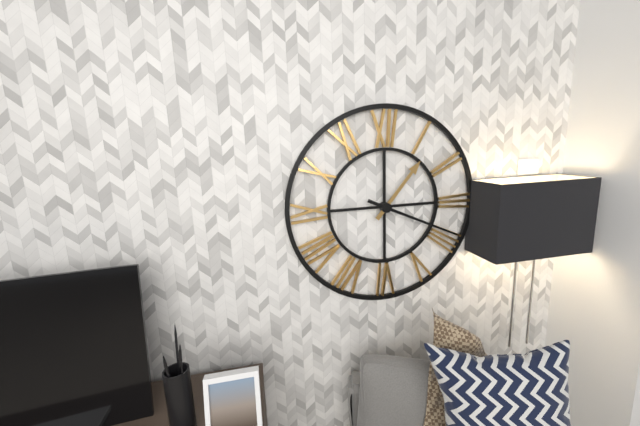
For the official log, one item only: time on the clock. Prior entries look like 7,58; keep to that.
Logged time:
1,19
